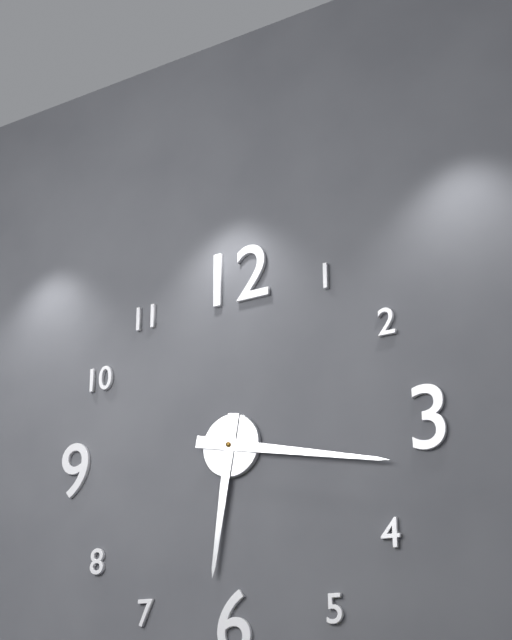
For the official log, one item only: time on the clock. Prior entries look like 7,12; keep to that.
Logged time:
6,17
